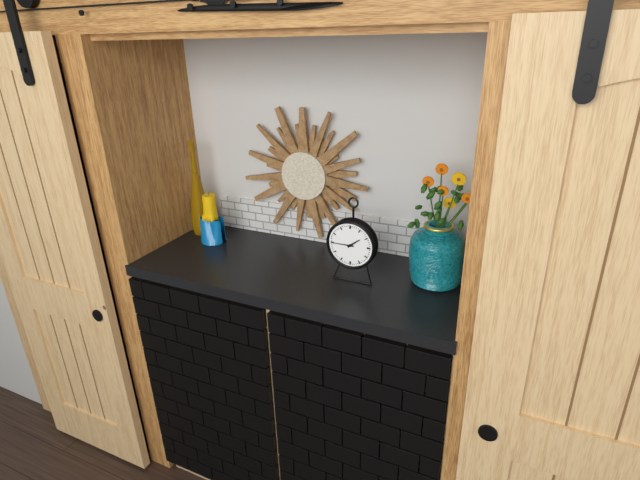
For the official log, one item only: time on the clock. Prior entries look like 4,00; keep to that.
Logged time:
1,45
